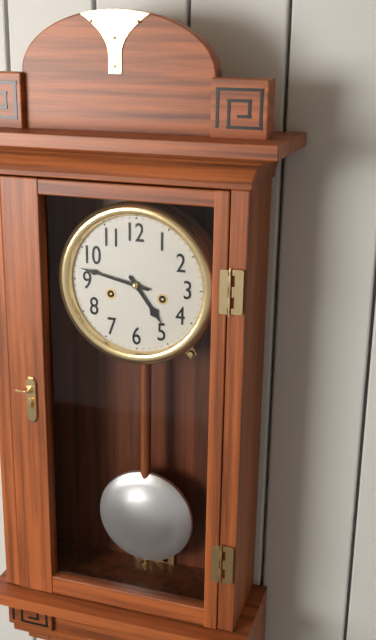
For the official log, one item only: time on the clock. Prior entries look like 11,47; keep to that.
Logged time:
4,47
